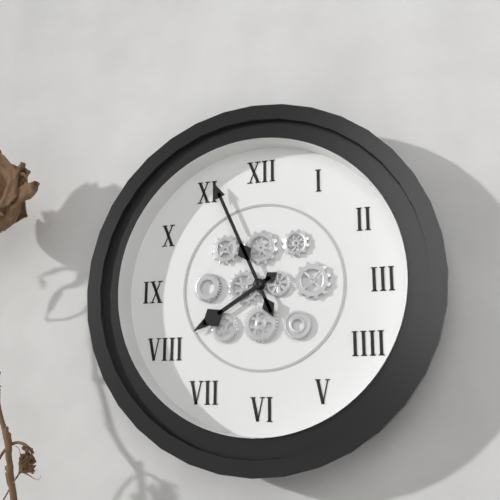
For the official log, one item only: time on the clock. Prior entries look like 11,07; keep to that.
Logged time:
7,56
